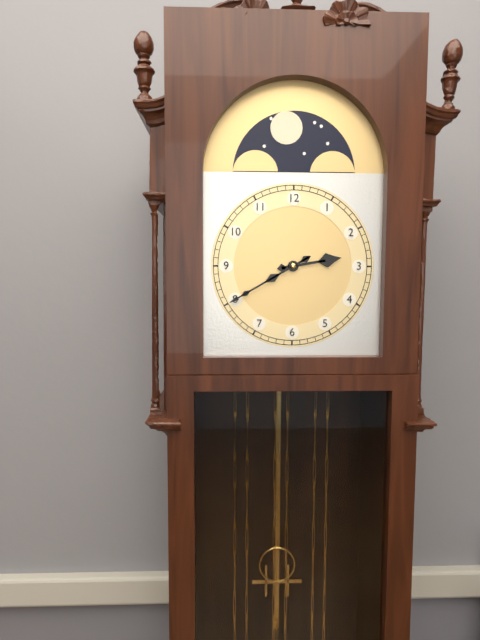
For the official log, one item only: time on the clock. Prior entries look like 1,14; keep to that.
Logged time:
2,40
